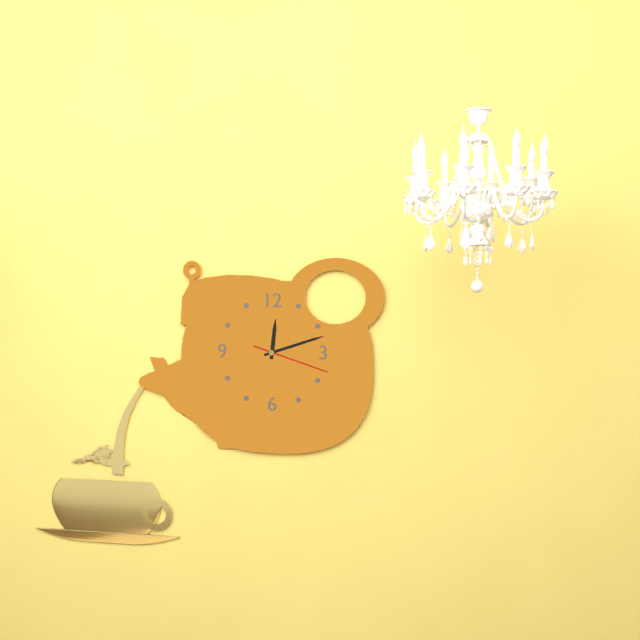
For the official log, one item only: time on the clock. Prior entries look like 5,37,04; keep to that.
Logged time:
12,12,18
